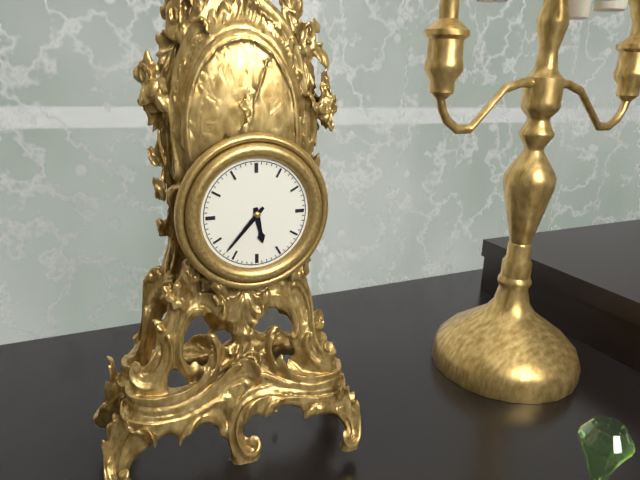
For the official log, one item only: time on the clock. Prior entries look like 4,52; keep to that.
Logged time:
5,37
